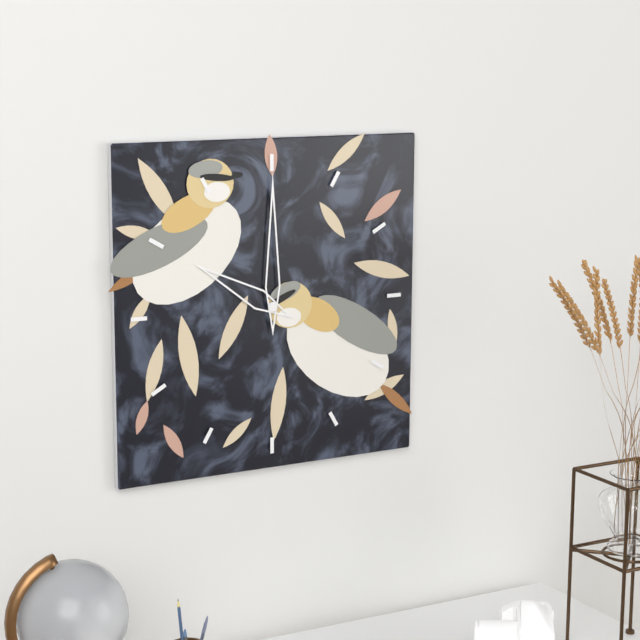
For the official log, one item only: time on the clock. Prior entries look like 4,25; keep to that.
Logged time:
10,00
